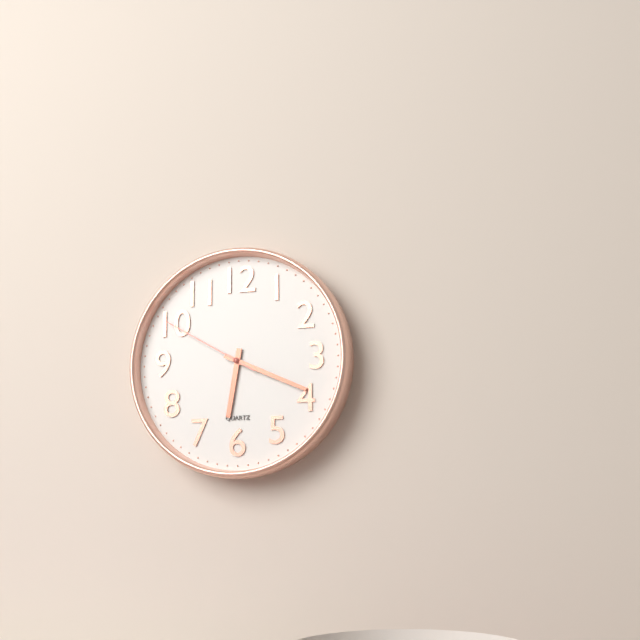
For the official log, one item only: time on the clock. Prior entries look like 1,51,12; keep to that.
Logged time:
6,19,50
